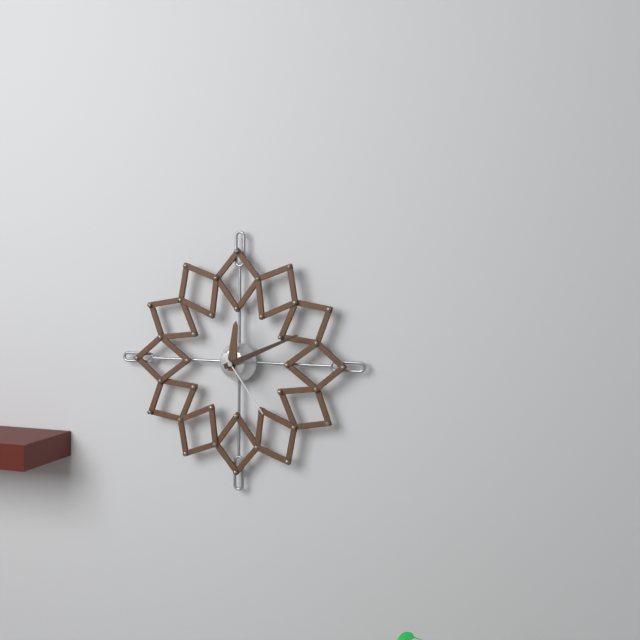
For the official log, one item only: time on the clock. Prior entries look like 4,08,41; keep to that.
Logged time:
12,11,24
